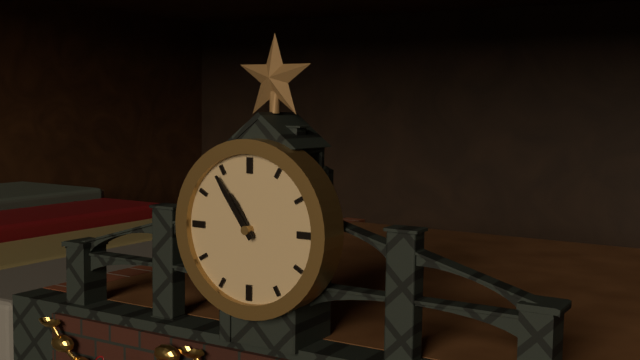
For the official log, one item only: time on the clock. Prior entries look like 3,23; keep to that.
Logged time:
10,54
